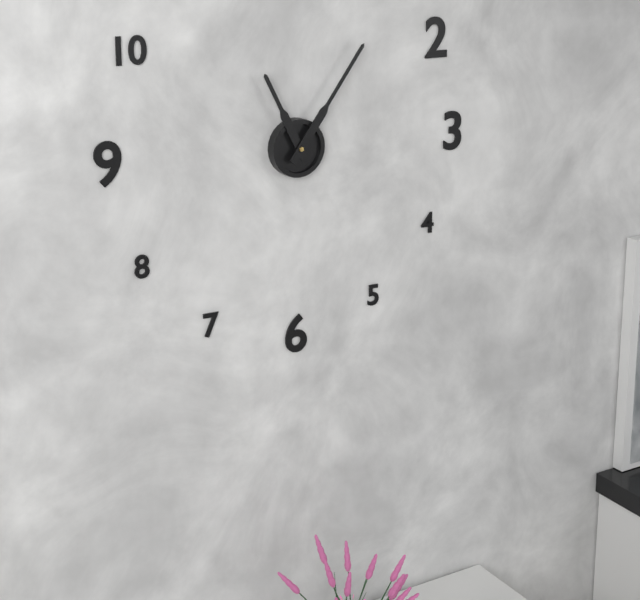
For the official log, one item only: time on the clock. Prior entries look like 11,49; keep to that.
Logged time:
11,06
